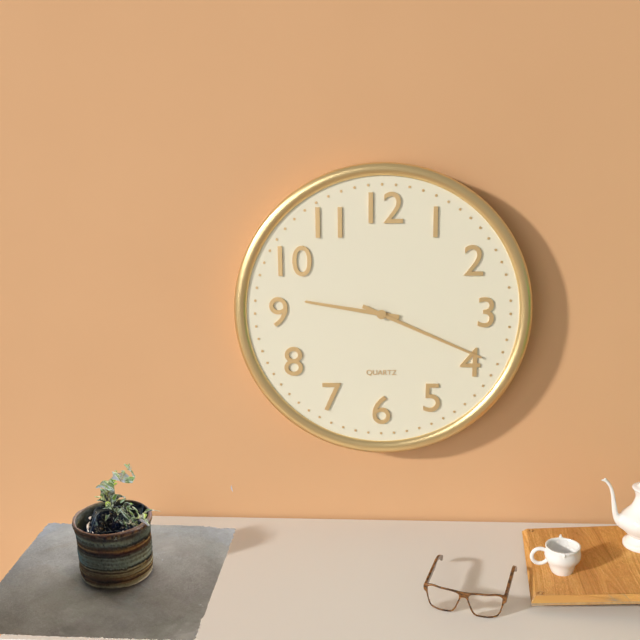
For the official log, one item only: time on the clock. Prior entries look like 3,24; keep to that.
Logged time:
9,19
